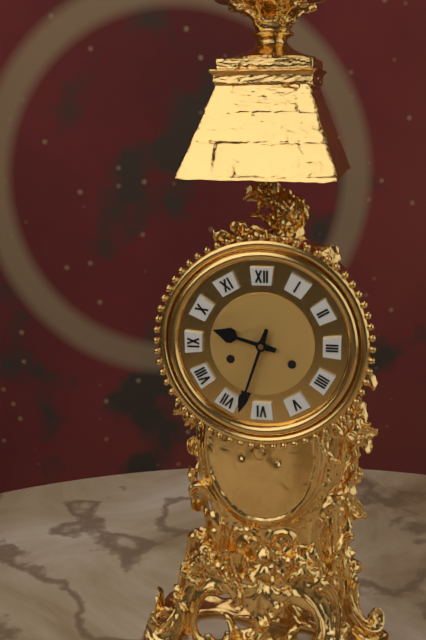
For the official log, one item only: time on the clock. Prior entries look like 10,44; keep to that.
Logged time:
9,33
